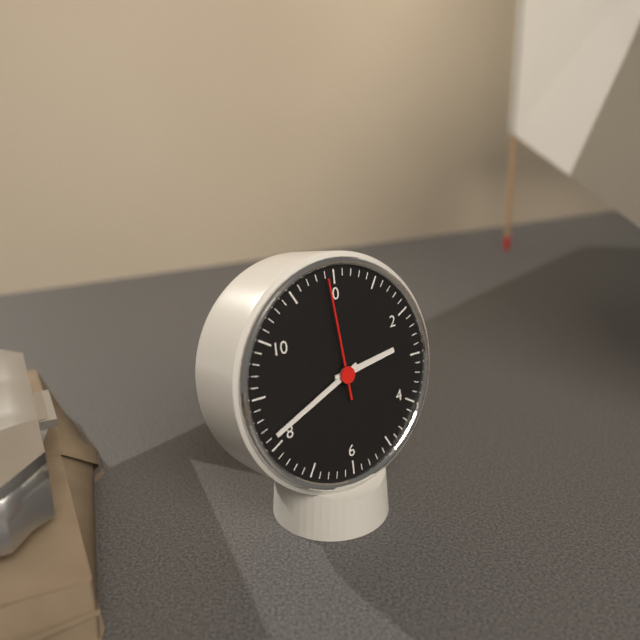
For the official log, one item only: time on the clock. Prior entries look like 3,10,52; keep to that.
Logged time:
2,41,59
